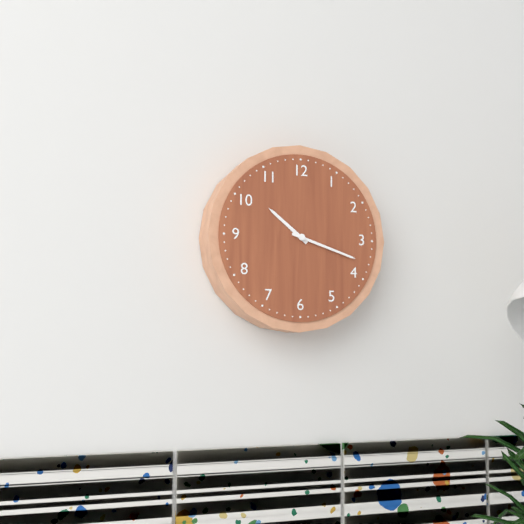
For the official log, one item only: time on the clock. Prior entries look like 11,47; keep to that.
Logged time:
10,18
